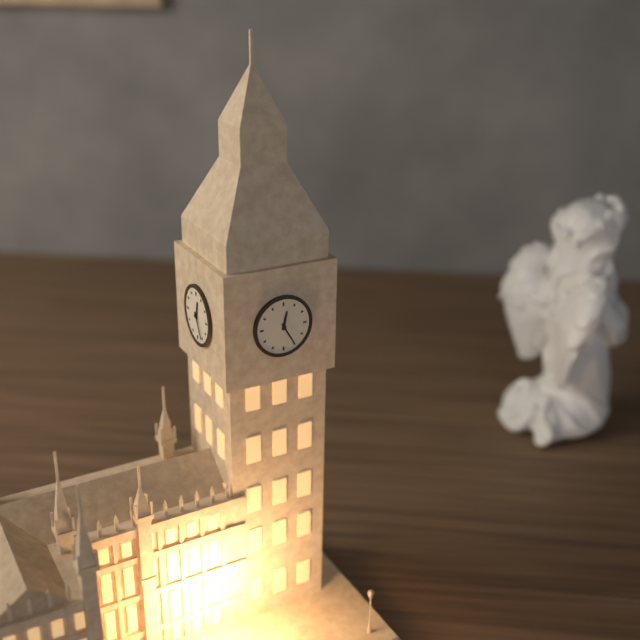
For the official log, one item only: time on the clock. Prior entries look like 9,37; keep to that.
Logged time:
12,25
